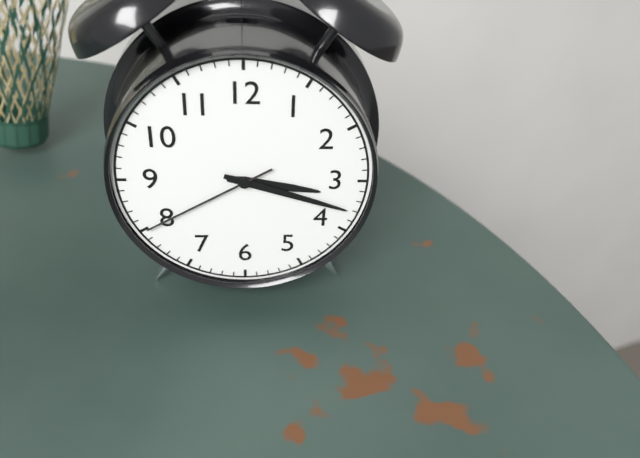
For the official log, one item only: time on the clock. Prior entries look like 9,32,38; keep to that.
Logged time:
3,18,40
